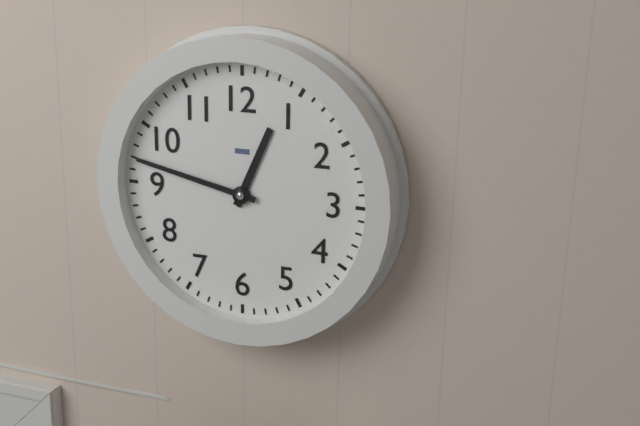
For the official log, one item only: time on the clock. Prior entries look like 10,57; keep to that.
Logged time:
12,47
